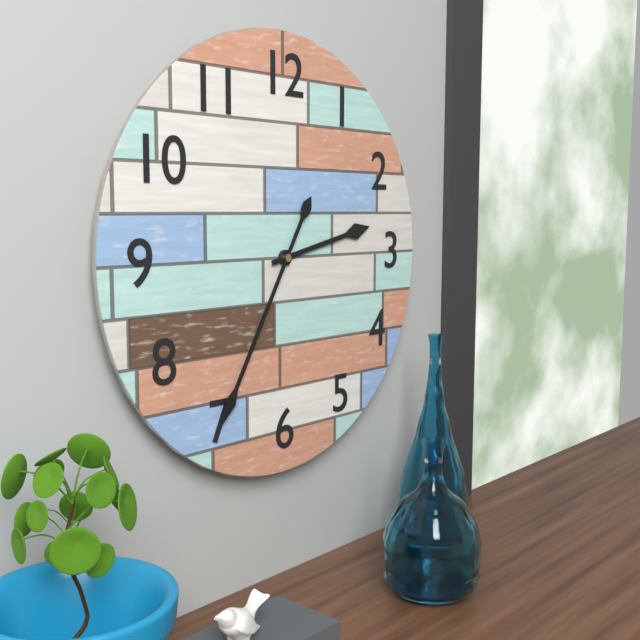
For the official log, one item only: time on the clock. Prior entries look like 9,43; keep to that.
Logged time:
2,35
